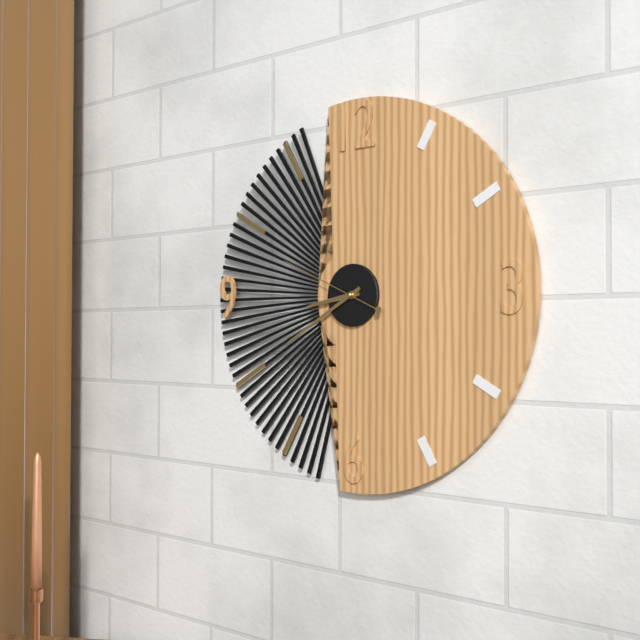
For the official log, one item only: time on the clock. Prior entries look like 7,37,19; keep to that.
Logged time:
8,40,49
